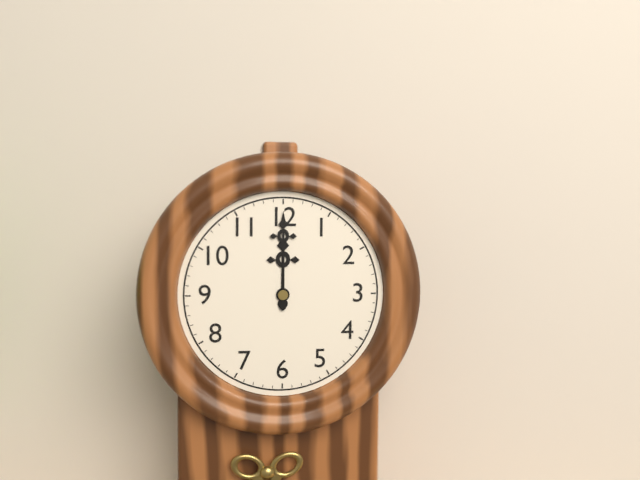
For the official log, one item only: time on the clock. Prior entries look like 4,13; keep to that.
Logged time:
12,00
